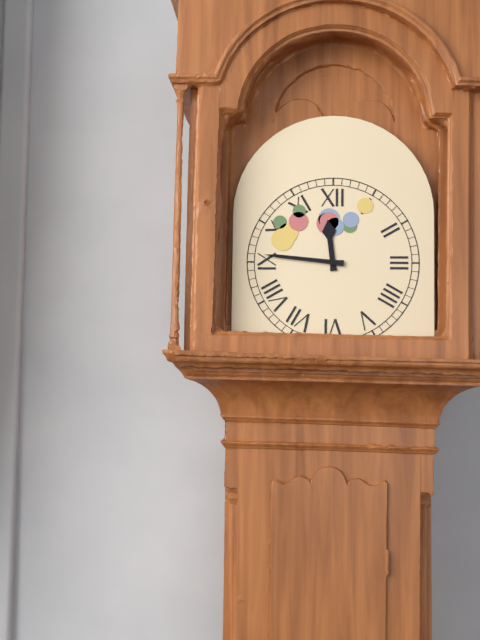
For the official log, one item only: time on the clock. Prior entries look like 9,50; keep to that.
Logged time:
11,46
